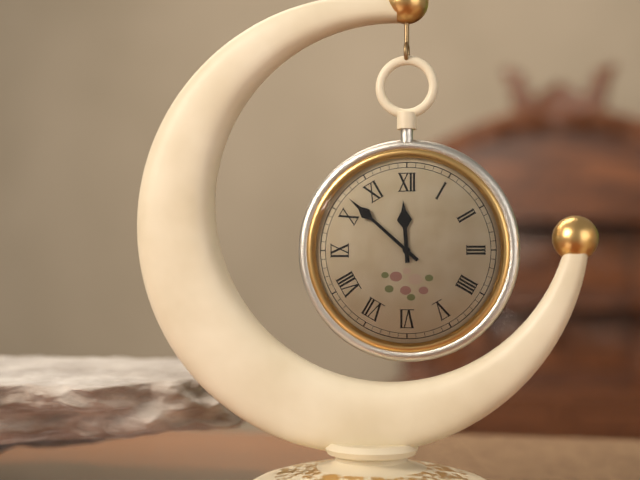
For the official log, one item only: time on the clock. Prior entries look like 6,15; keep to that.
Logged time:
11,52
